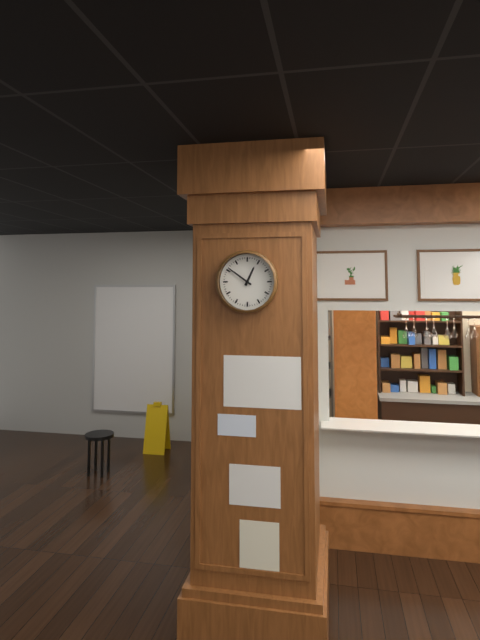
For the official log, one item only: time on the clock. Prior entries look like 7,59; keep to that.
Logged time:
12,51
